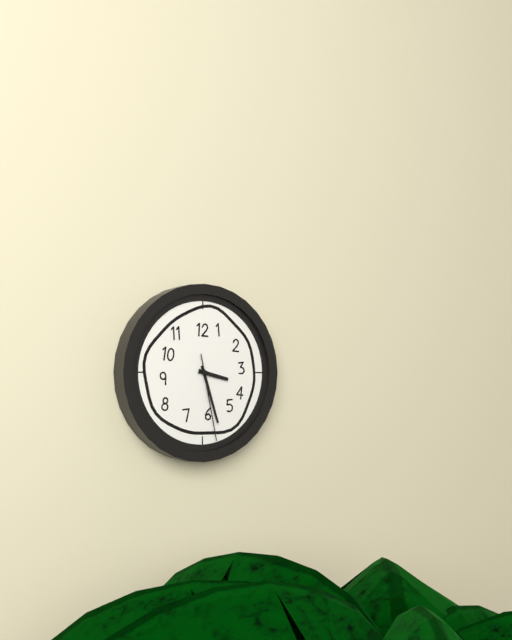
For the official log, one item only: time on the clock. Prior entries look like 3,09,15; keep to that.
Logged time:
3,27,28
